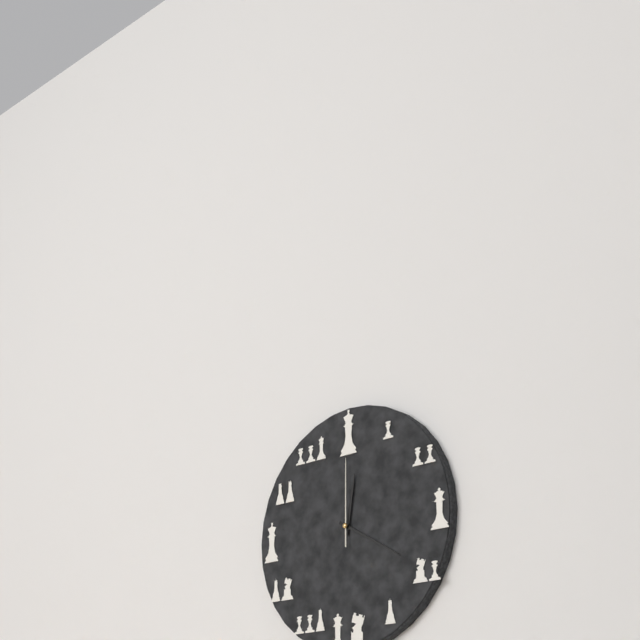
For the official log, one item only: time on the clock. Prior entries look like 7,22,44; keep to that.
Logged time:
12,20,00
